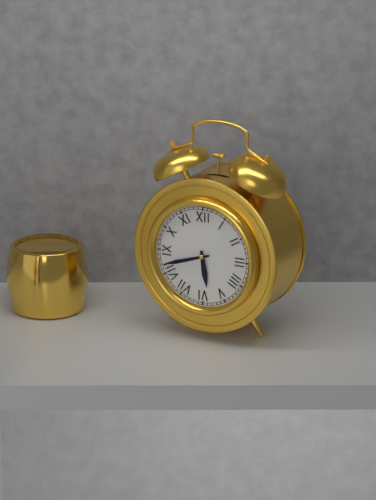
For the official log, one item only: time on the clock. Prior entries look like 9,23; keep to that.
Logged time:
5,42
